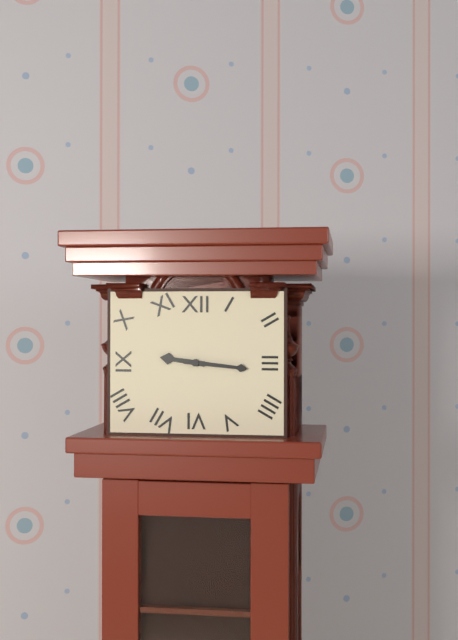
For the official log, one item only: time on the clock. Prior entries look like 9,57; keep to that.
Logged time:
9,16
